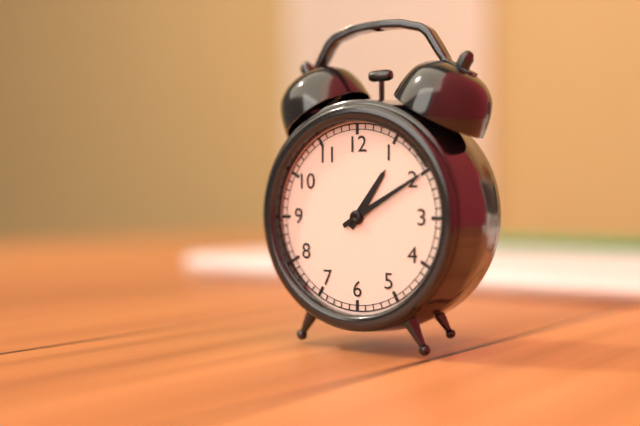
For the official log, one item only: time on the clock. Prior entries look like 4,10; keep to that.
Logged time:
1,10
